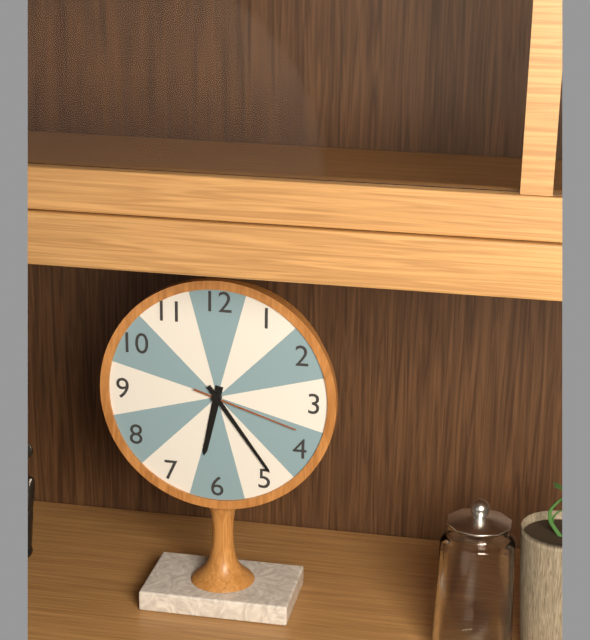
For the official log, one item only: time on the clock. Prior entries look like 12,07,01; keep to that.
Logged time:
6,24,18
